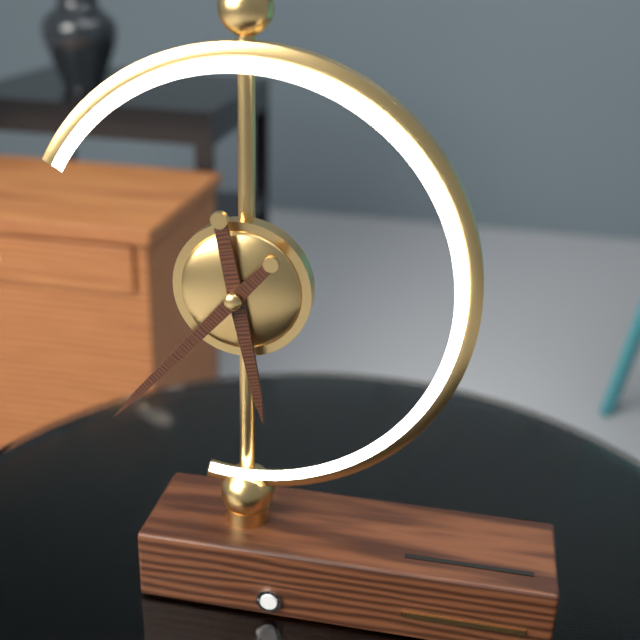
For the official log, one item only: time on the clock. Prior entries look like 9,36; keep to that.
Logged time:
5,37
